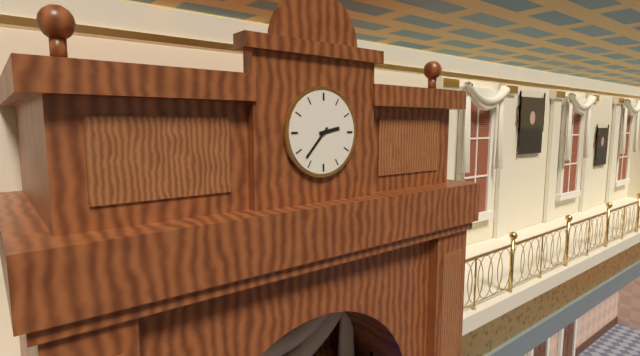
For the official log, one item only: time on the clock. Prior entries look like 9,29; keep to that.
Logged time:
2,37
